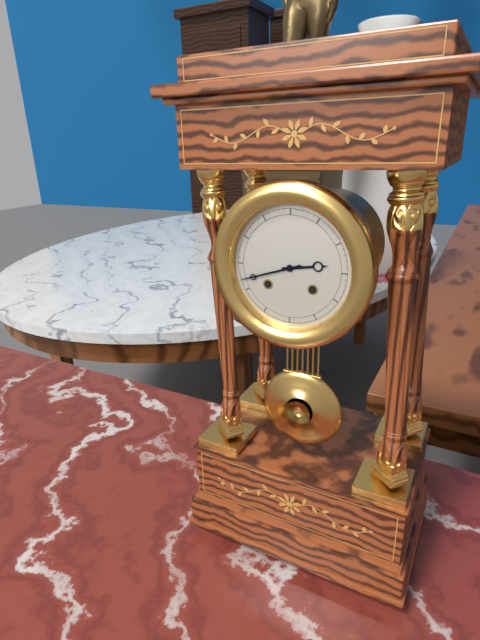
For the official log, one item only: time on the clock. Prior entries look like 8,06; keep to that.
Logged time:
2,42
